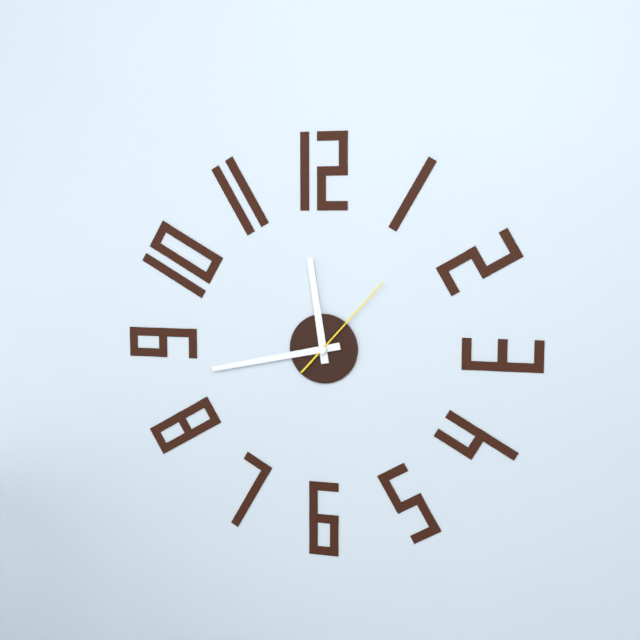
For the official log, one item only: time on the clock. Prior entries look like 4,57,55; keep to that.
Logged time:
11,43,07
